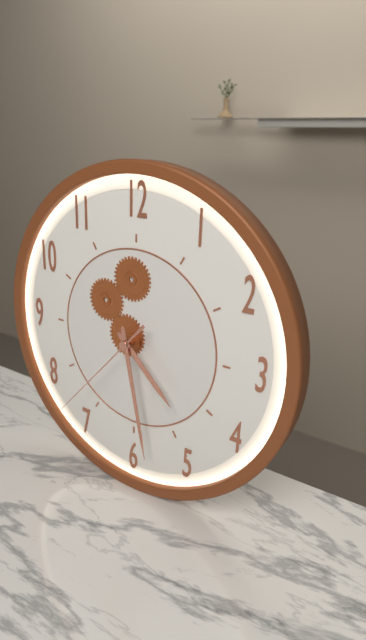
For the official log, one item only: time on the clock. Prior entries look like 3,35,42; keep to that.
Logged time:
4,28,37
